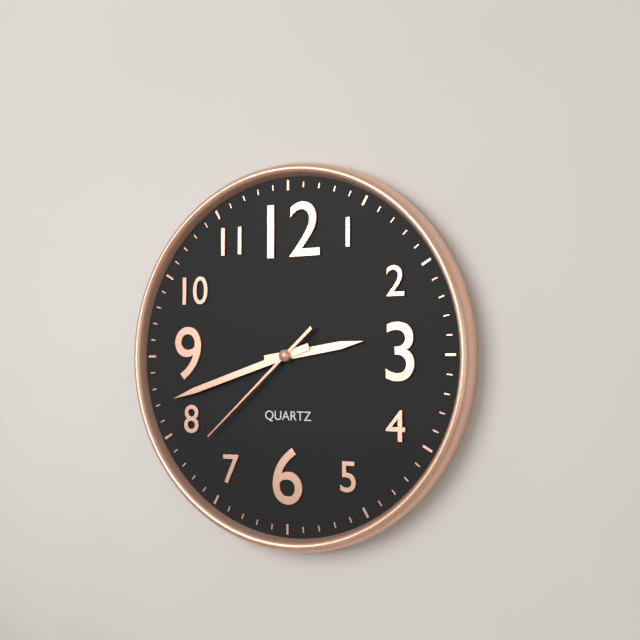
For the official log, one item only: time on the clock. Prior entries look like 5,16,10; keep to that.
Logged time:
2,42,38
